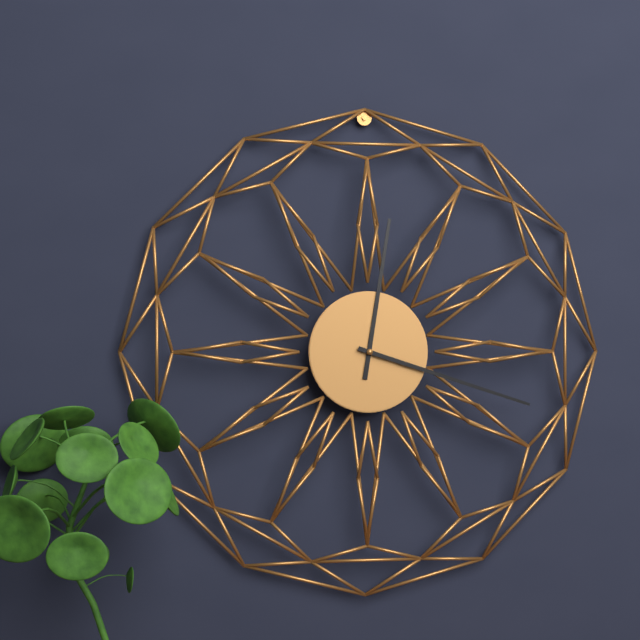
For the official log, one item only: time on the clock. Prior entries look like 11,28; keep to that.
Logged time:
12,18
